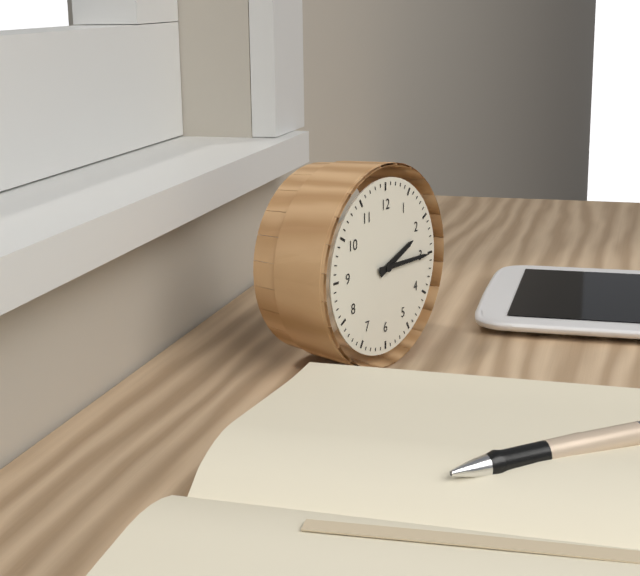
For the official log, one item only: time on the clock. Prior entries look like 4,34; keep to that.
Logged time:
2,15
